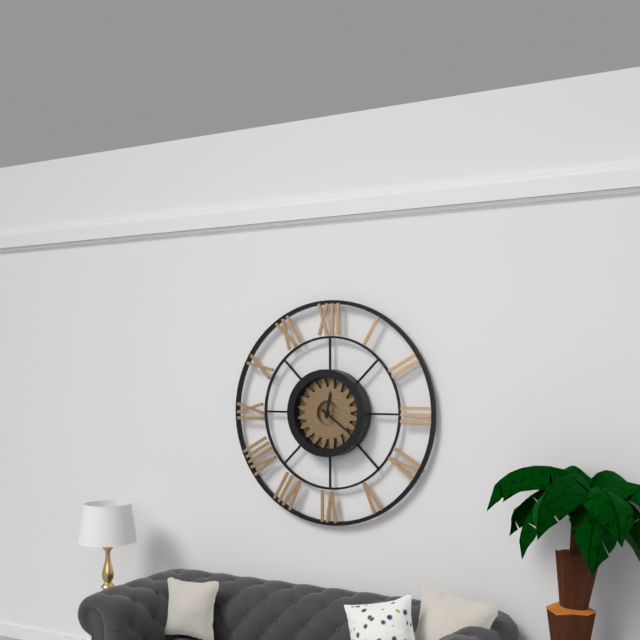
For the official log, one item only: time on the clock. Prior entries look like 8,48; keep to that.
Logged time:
12,21
